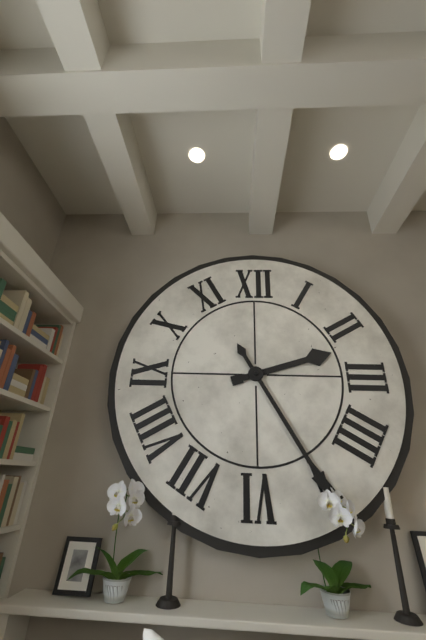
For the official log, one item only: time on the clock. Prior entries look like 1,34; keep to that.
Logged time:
2,25
